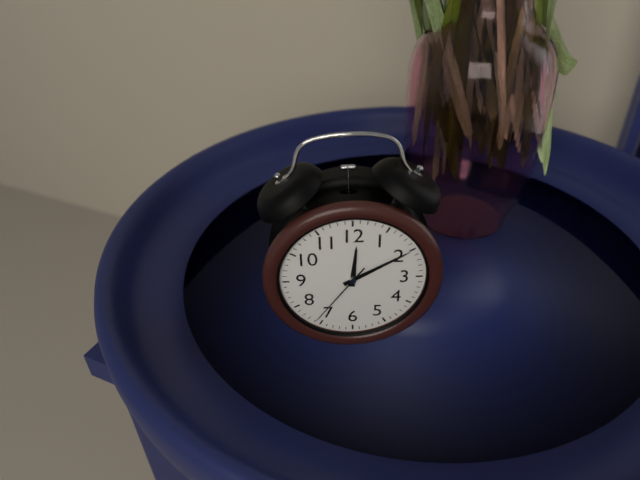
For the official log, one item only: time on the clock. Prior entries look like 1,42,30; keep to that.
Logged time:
12,10,36
